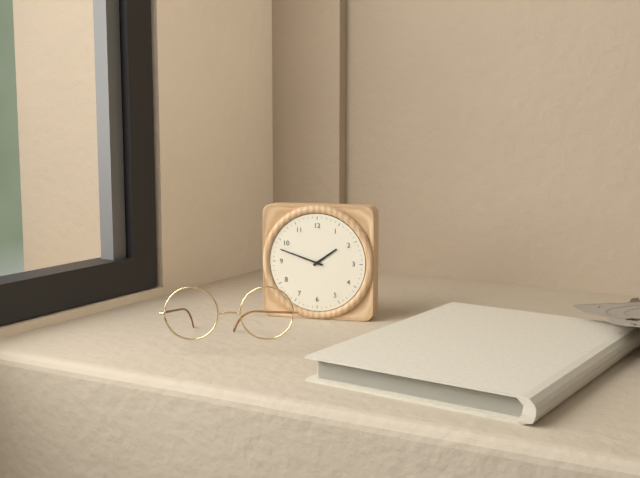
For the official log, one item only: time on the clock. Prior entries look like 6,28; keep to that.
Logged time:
1,48
